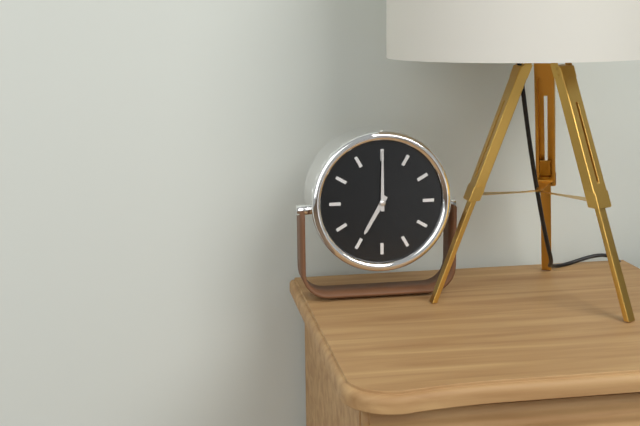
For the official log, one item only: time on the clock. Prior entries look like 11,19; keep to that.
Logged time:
7,00
